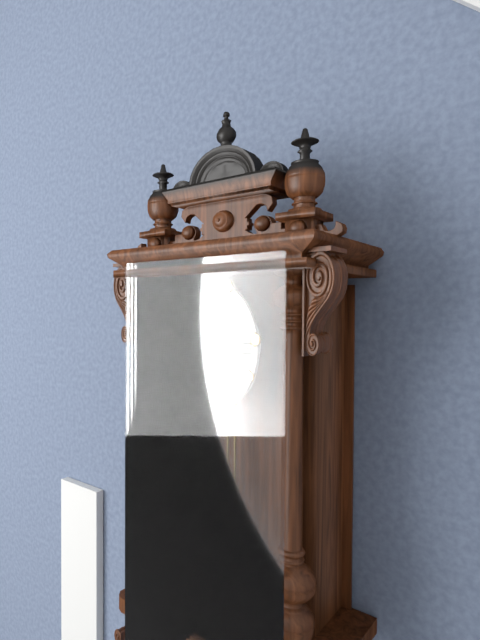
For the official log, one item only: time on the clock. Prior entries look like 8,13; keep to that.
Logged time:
1,59
